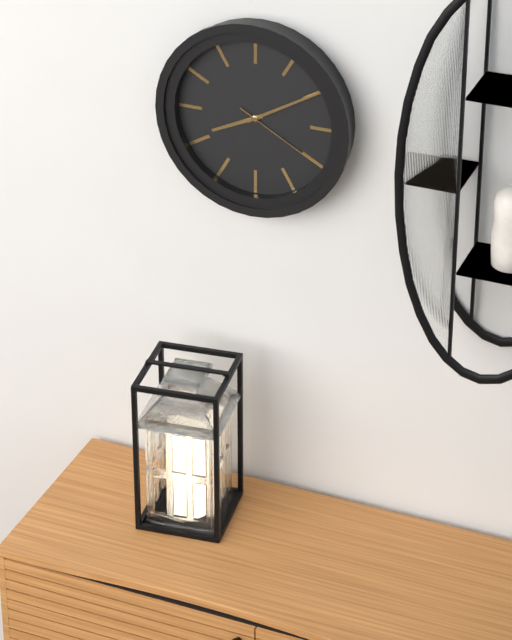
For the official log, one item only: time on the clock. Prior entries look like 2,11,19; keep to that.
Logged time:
8,10,20
